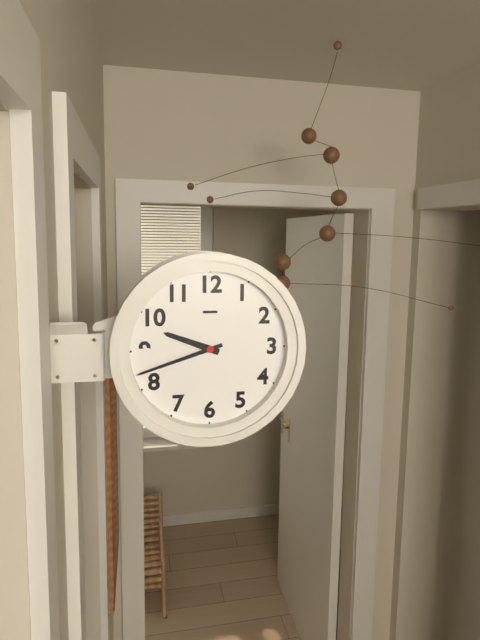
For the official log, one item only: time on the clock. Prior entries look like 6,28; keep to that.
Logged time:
9,42
